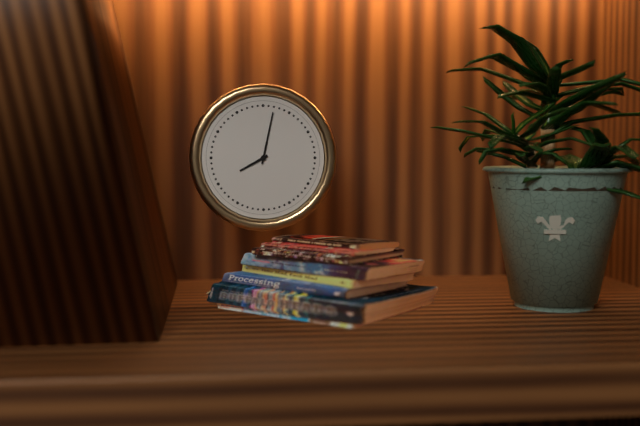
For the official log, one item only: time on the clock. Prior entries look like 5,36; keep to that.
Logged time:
8,02
